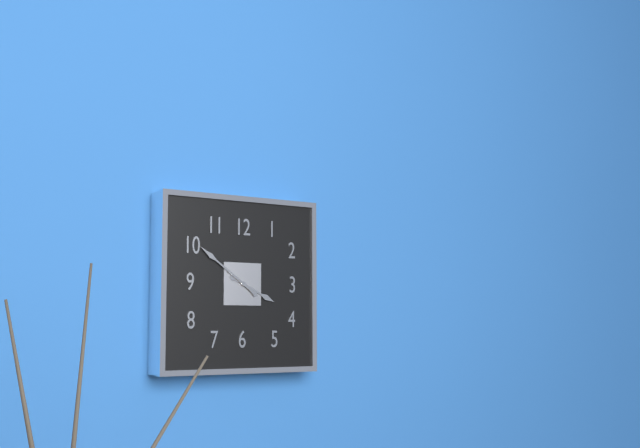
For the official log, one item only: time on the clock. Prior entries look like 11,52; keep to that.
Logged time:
3,51
